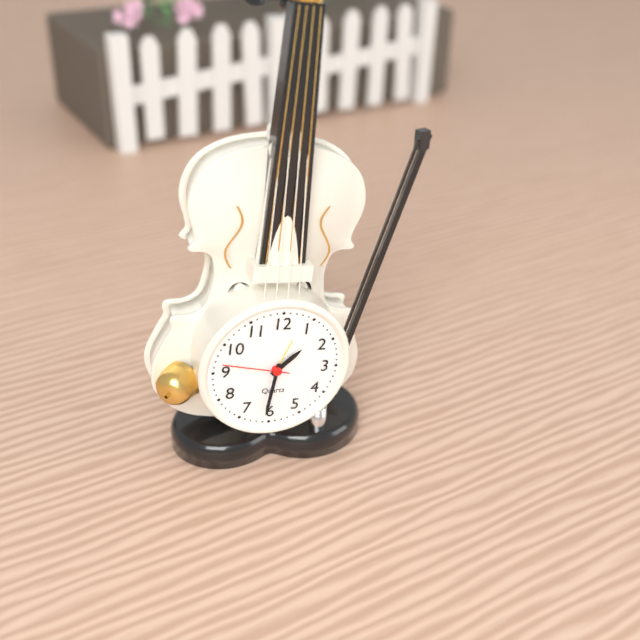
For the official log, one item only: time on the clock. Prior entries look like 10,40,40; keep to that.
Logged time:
1,31,47
